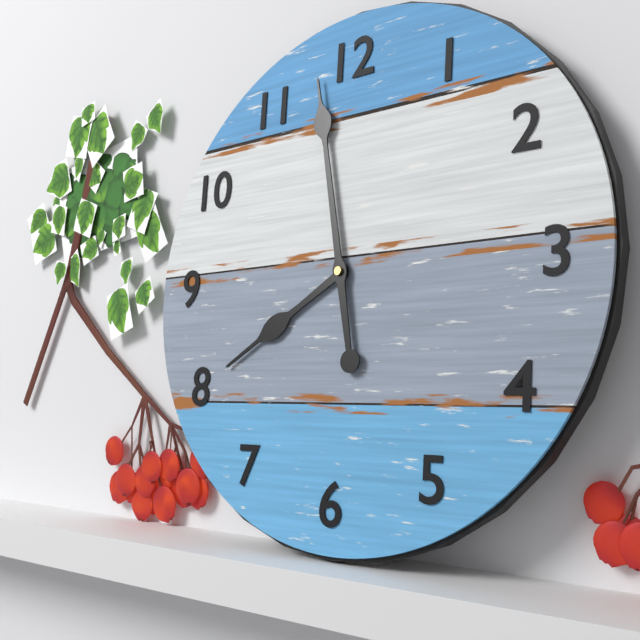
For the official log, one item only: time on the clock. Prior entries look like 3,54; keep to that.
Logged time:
7,58
